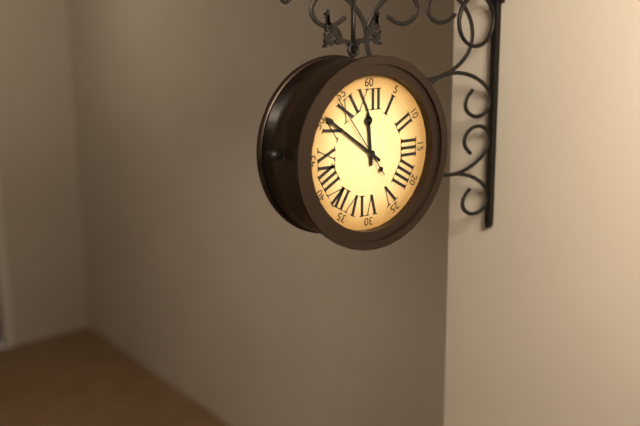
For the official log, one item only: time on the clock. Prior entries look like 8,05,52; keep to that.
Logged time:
11,51,54
